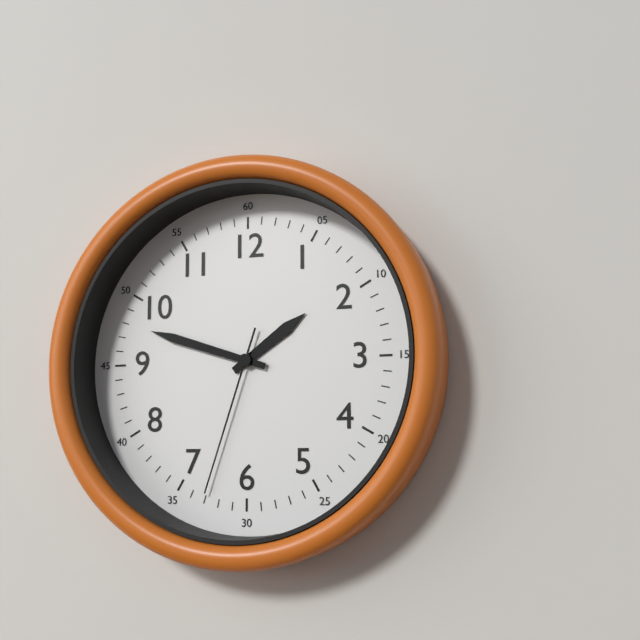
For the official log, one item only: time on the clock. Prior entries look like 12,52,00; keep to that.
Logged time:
1,48,33
